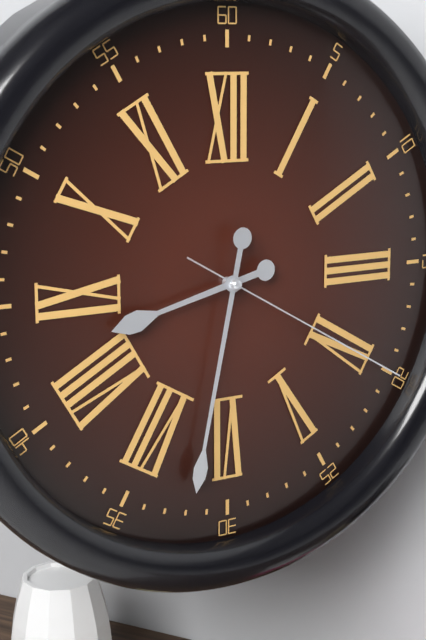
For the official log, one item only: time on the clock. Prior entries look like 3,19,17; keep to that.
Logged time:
8,32,20
